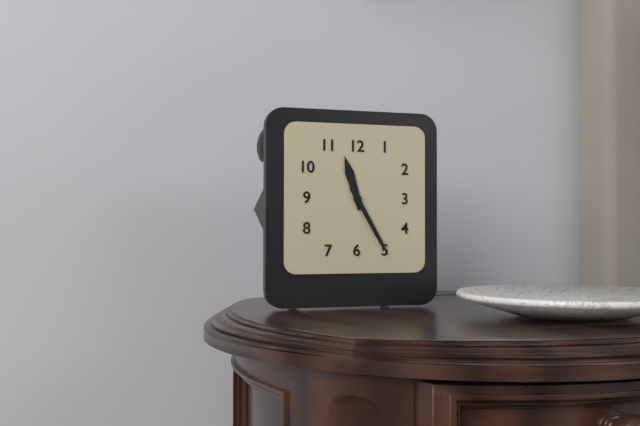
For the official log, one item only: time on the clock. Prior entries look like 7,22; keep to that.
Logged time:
11,25
